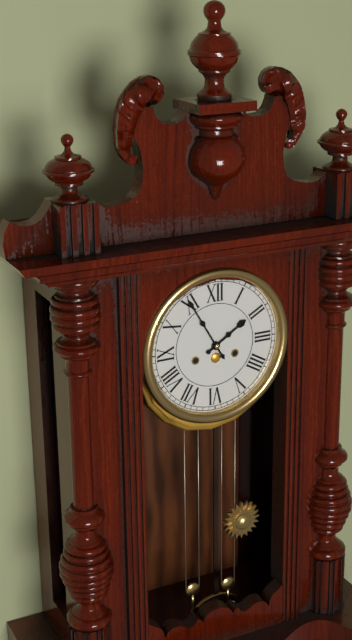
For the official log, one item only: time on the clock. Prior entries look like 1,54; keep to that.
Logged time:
1,55
